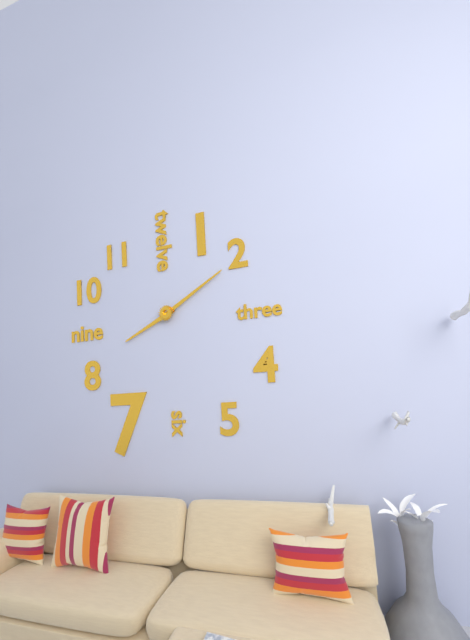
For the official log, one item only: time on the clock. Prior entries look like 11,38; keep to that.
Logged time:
8,10
